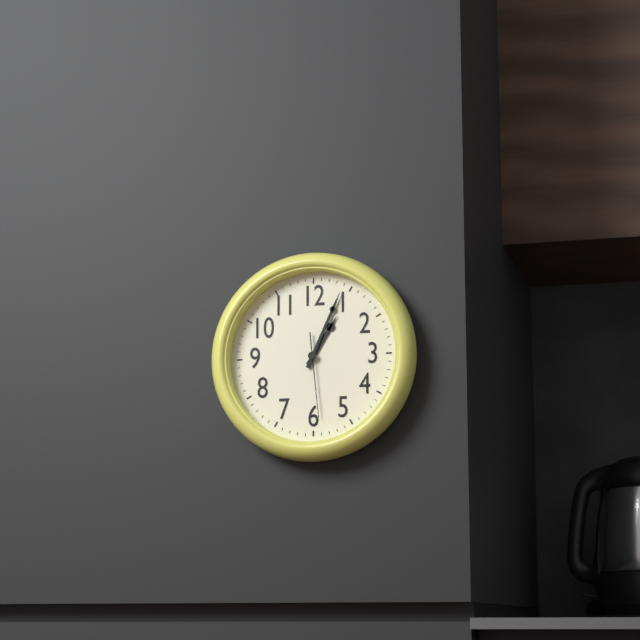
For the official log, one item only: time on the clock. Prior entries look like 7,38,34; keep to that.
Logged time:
1,04,29
